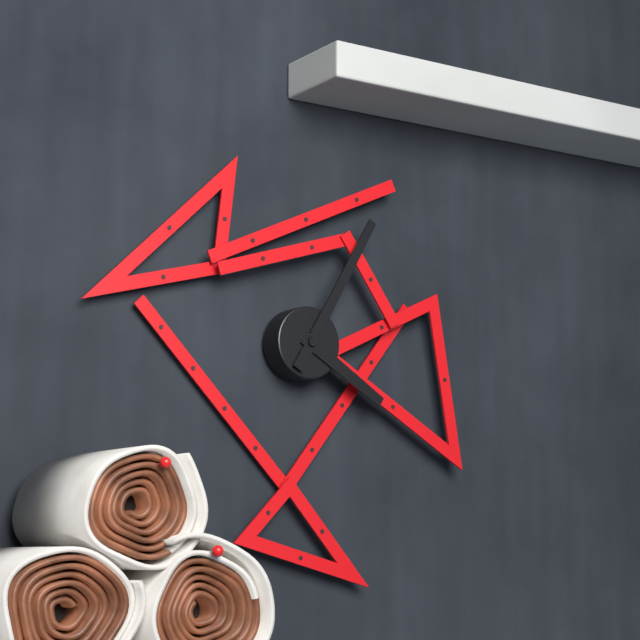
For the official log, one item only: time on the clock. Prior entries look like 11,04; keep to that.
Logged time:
4,05
